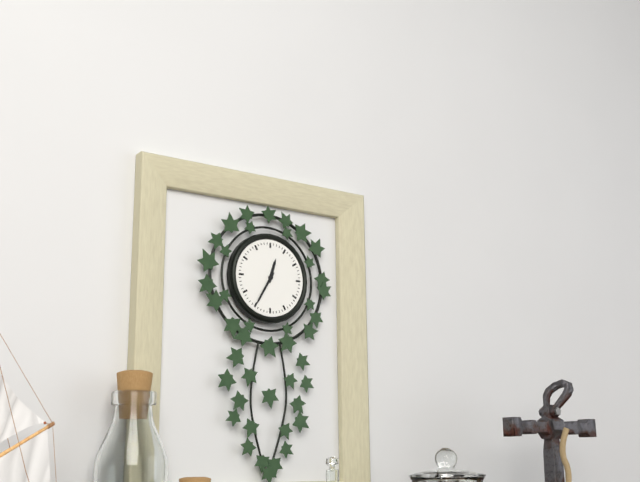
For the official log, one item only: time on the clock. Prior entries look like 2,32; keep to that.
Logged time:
12,35
